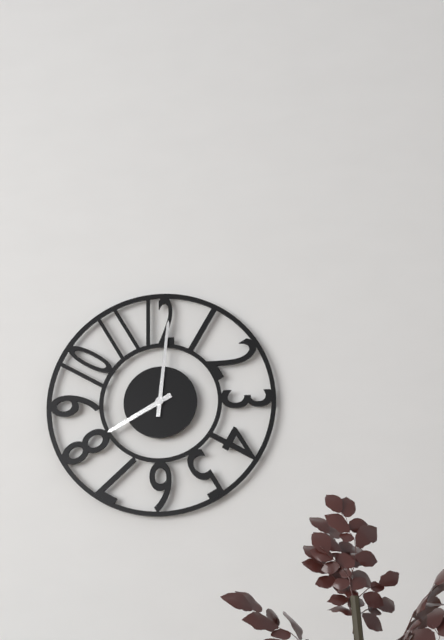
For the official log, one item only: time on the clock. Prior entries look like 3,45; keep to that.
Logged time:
8,01
